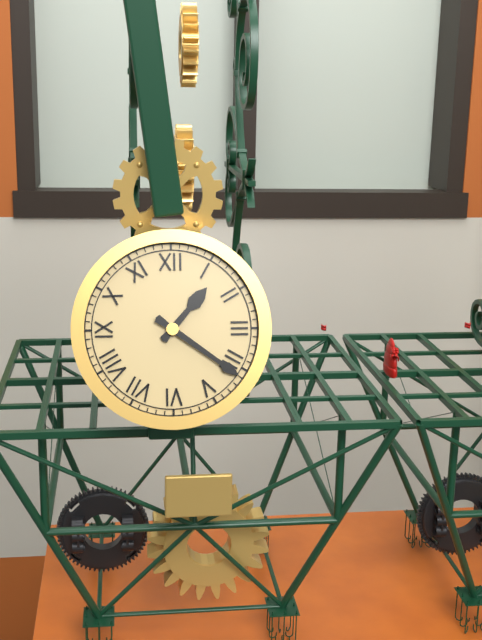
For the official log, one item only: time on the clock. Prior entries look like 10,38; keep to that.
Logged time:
1,21
